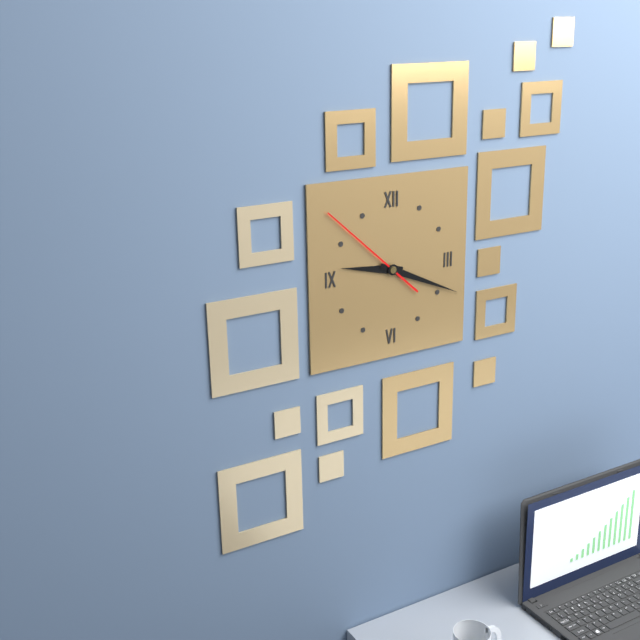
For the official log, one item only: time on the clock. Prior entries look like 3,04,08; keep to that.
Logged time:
9,19,52
